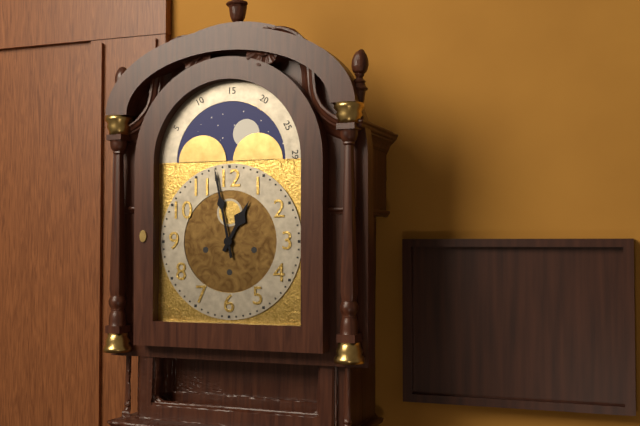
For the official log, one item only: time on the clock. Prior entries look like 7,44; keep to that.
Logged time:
12,58
